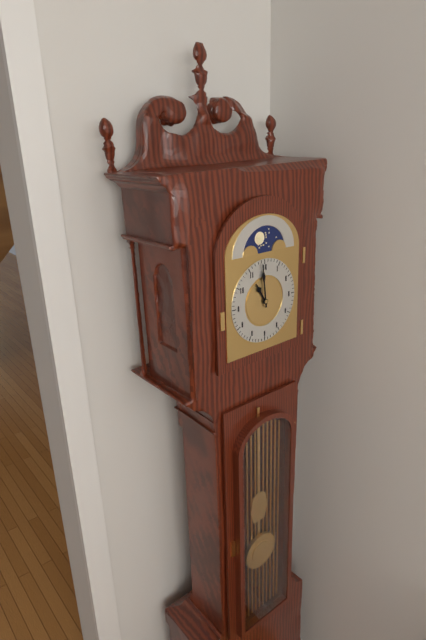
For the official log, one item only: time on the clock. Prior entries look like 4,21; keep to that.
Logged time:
10,59
